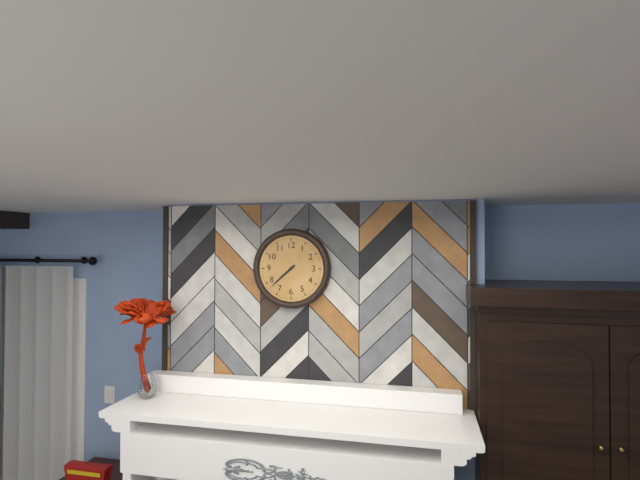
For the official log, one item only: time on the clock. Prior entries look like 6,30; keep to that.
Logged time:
7,38
